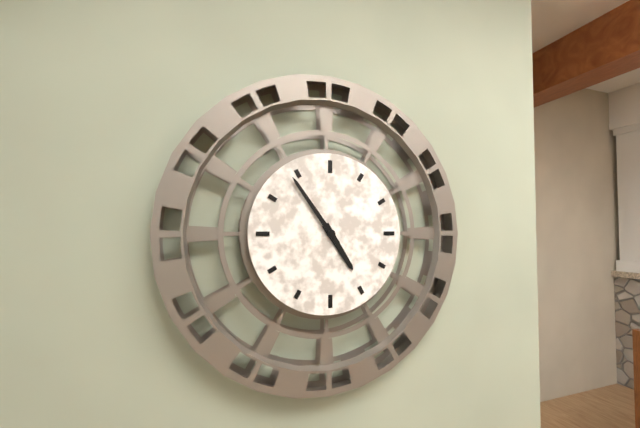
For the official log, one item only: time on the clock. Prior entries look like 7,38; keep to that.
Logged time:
4,54
